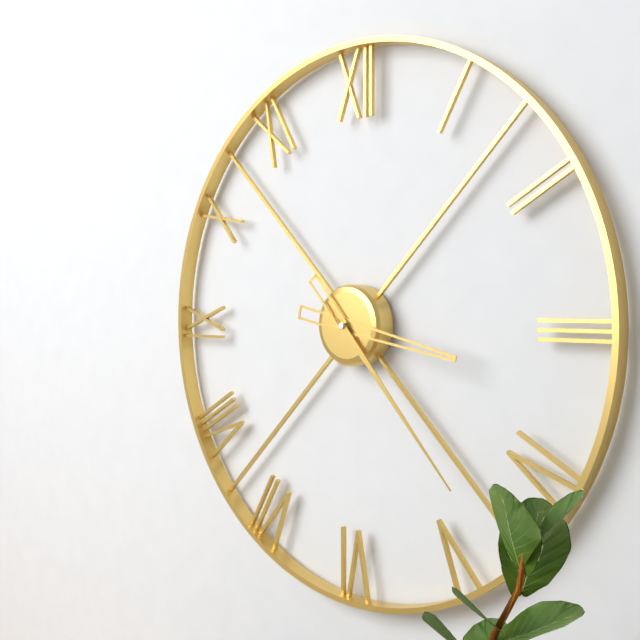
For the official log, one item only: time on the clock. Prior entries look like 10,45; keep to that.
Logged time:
3,23
